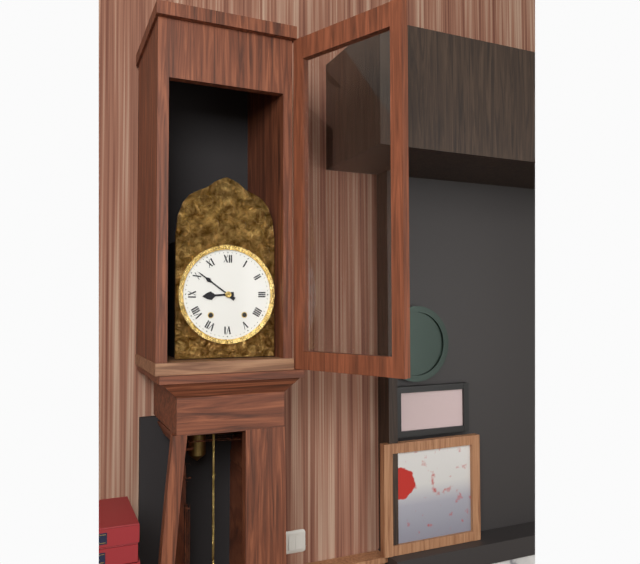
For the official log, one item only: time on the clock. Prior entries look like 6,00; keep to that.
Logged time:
8,51
